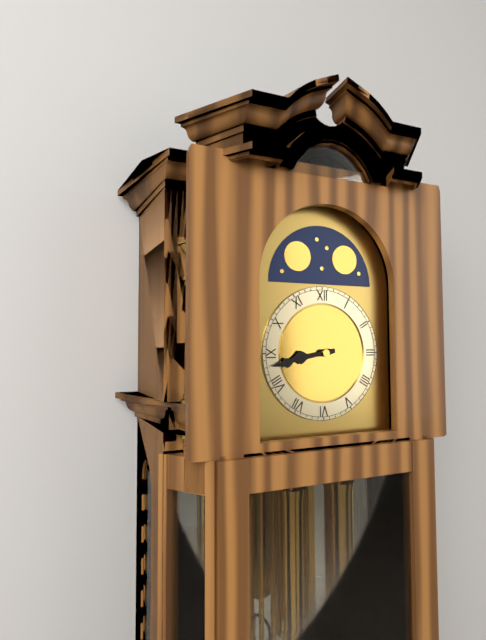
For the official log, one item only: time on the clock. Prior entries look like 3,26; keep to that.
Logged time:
8,43
